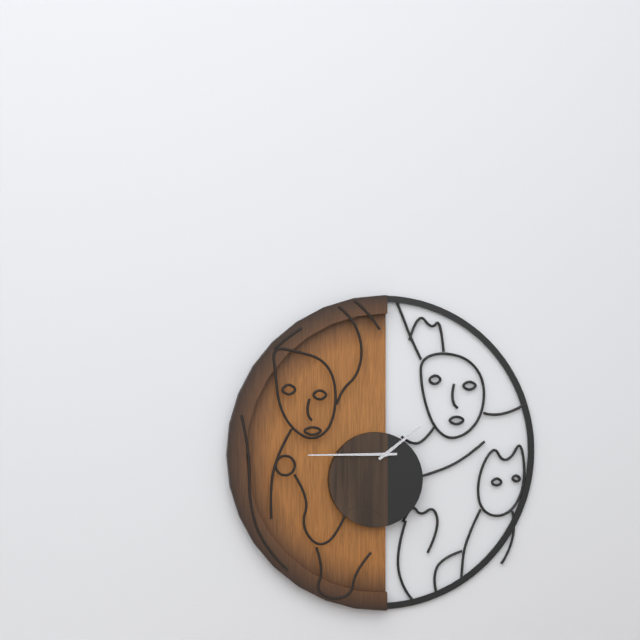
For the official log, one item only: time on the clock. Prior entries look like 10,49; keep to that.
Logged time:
1,45
